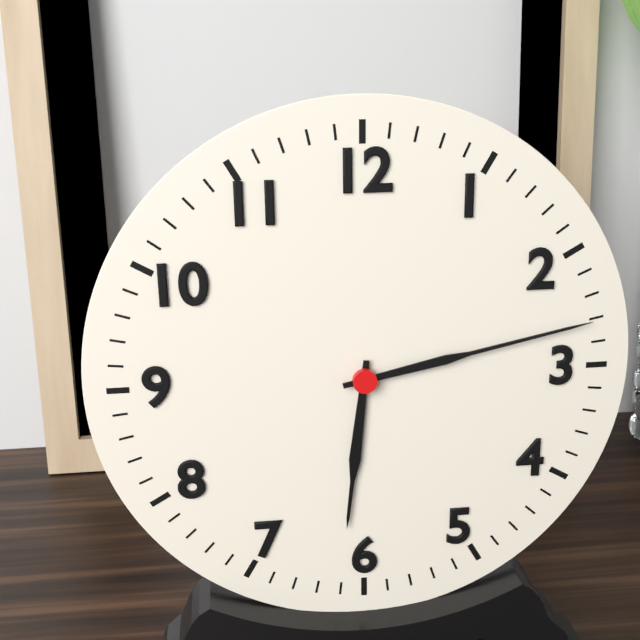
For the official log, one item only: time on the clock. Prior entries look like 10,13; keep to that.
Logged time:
6,13
